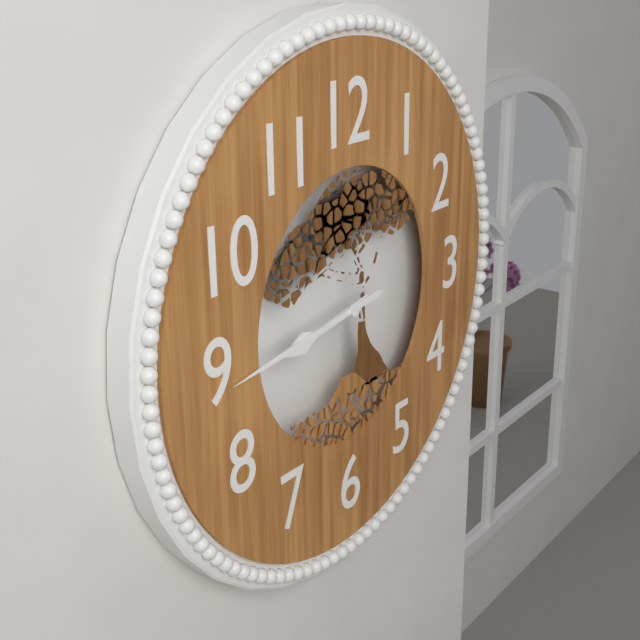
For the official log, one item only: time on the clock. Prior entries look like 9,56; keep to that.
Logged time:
8,44
